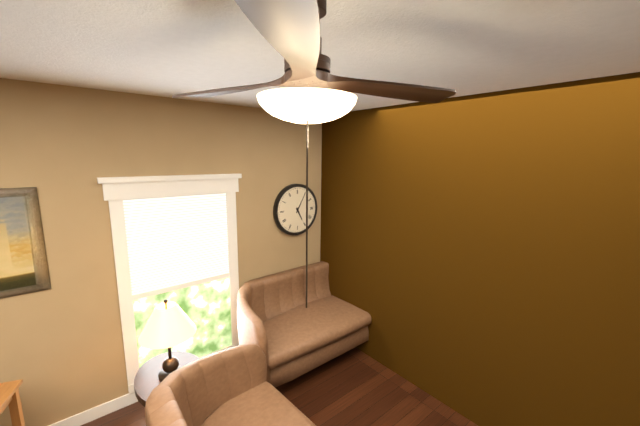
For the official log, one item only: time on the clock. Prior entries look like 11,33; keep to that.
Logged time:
5,05
